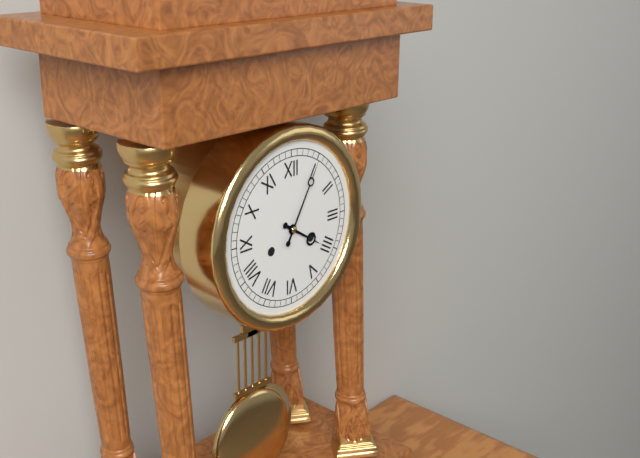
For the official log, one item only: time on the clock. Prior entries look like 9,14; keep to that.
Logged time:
4,05
